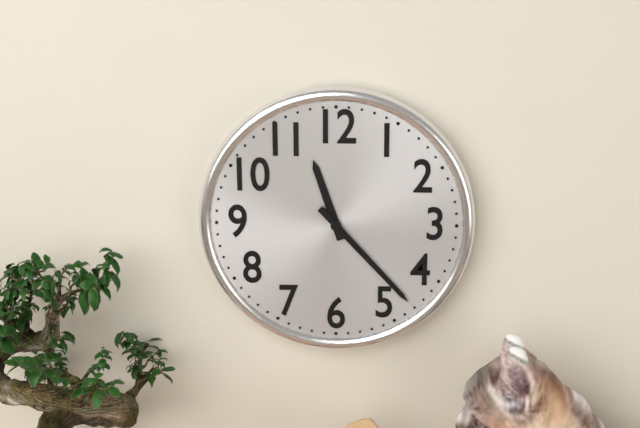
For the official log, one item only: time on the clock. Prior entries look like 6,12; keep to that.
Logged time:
11,23
